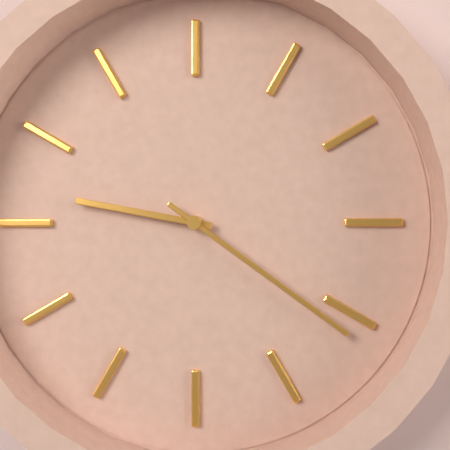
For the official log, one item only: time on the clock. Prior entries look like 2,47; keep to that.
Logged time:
9,21
